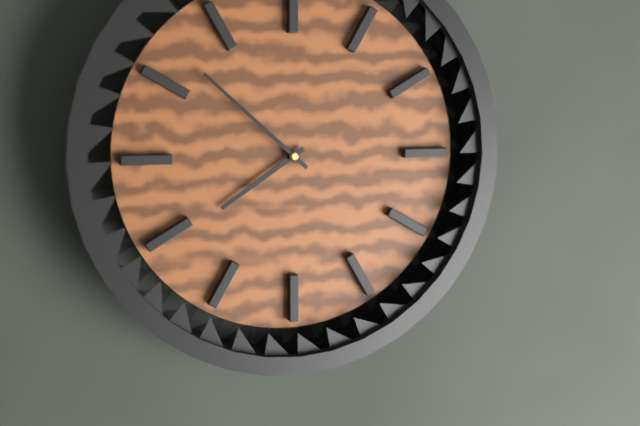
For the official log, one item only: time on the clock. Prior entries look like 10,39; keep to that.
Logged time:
7,52
